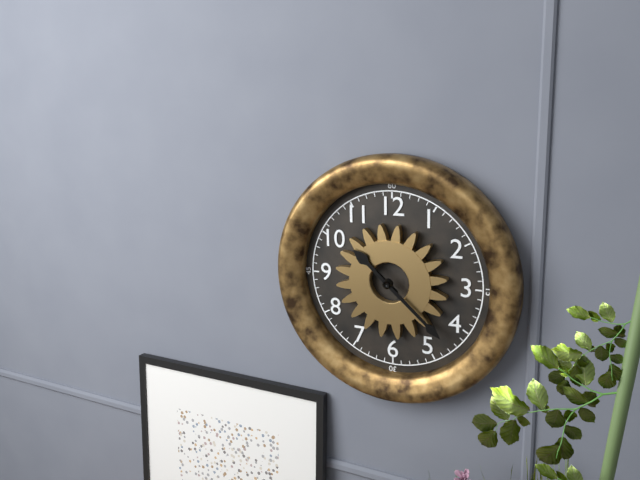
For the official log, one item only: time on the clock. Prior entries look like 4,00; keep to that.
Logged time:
10,22
